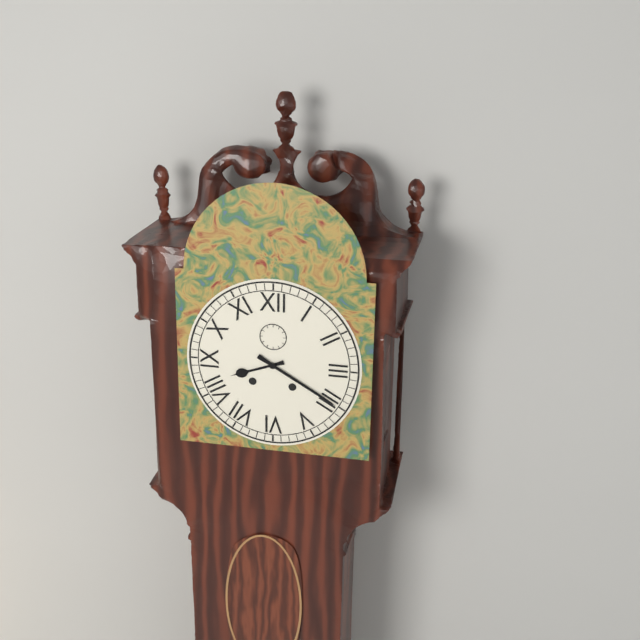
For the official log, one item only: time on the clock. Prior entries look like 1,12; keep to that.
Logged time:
8,20
